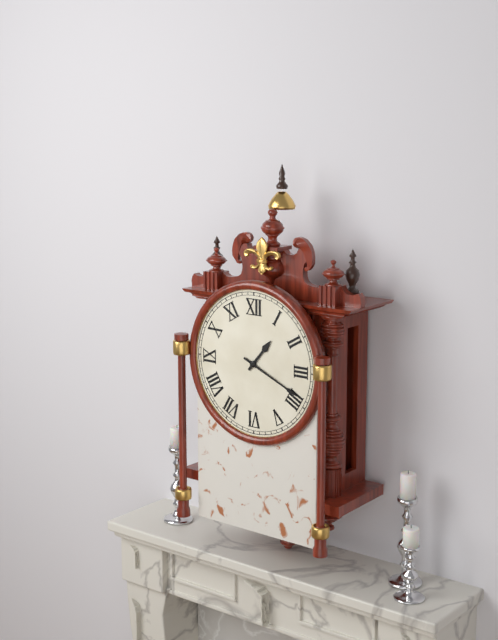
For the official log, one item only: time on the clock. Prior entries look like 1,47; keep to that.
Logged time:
1,19
